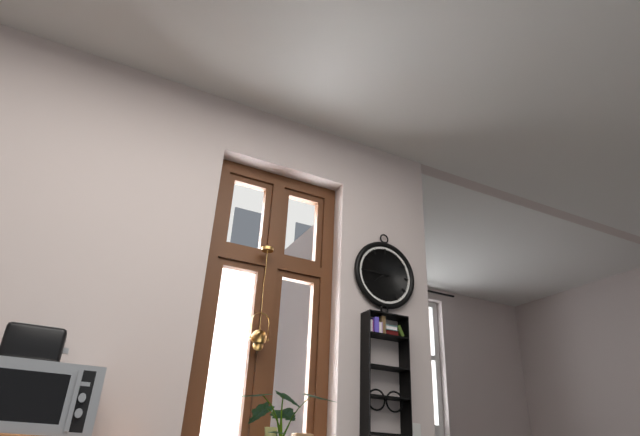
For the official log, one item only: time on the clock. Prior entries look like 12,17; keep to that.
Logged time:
7,45
